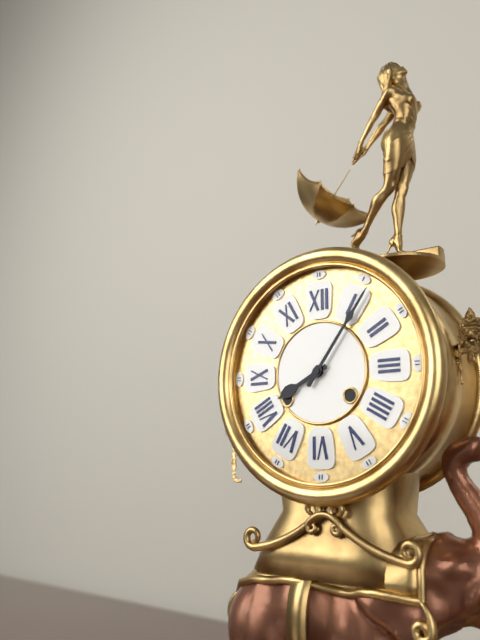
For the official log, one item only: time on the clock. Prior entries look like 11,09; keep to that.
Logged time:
8,06
